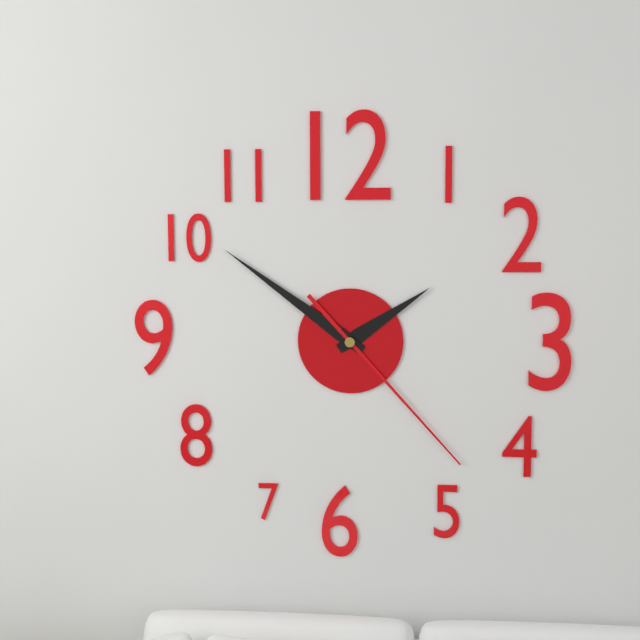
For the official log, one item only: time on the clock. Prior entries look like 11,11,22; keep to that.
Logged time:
1,51,23
